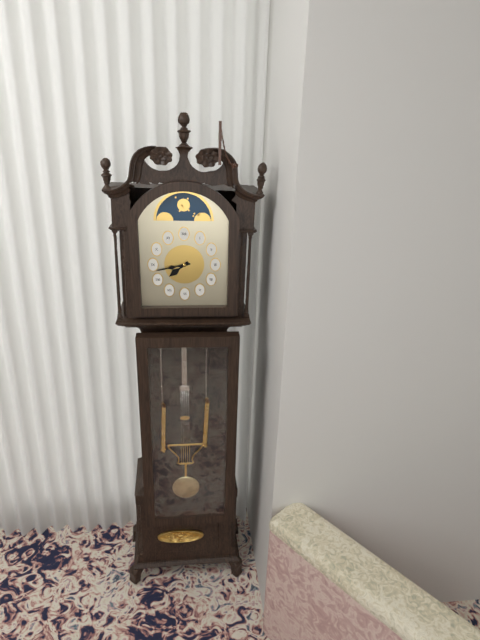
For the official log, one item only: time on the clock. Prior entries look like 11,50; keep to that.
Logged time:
7,43
